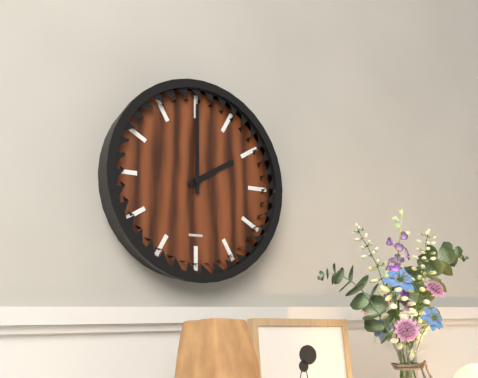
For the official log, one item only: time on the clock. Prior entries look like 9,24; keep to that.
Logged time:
2,00
